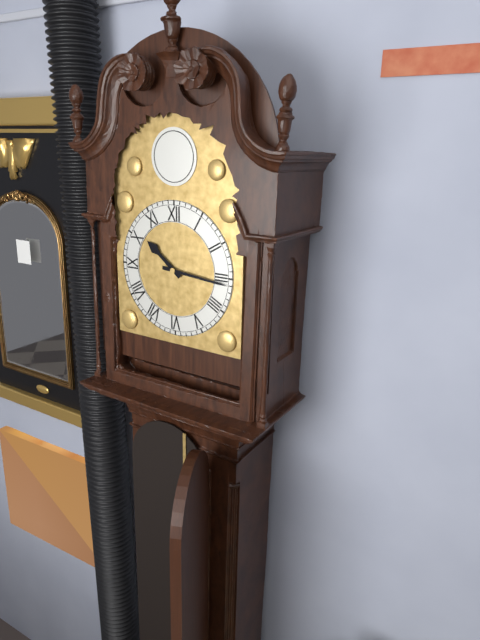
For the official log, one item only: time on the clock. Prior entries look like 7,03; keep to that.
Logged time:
10,16
